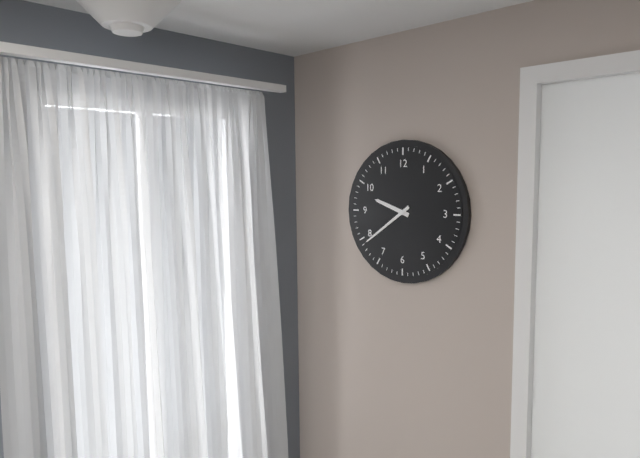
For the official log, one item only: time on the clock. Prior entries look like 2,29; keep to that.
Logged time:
9,39
